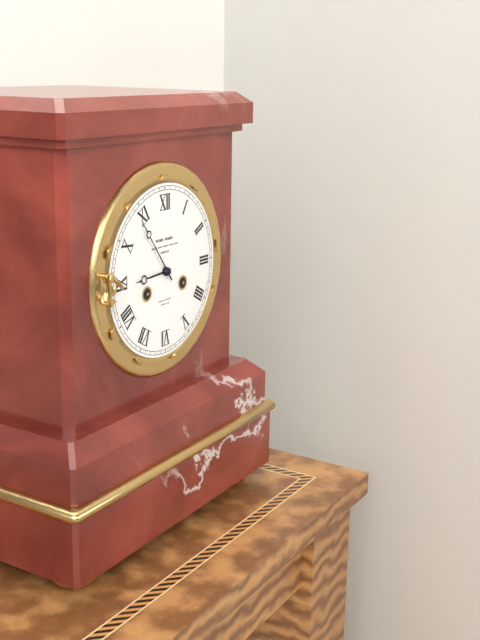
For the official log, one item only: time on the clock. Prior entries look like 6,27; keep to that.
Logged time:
8,54
